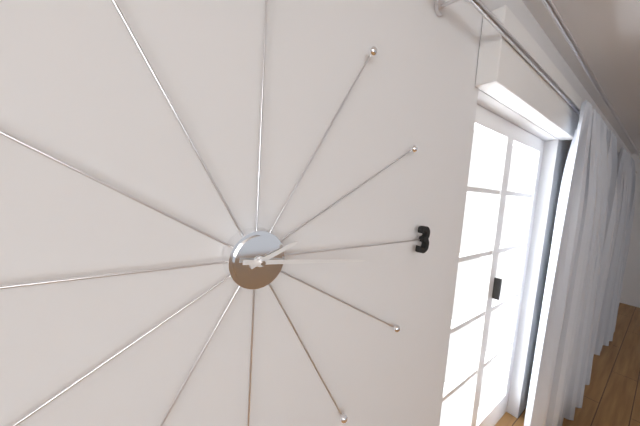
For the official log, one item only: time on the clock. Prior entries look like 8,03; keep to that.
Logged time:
2,16
